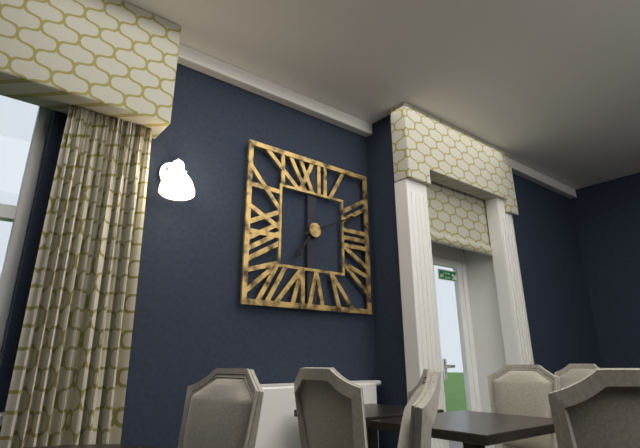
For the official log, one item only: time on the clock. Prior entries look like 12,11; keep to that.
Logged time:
7,11
